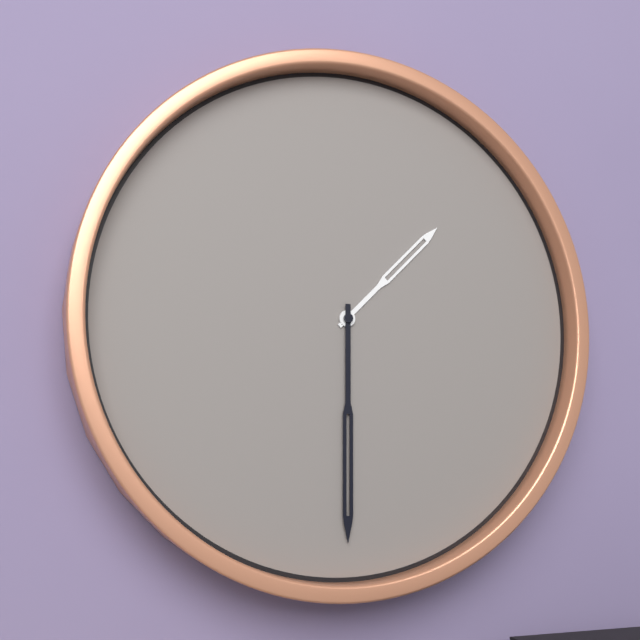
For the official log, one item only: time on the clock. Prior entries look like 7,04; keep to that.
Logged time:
1,30
